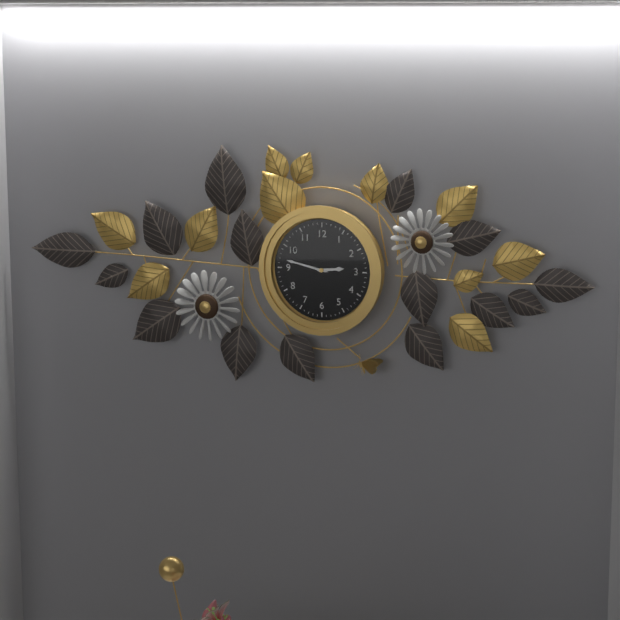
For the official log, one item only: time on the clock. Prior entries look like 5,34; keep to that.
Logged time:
2,47
